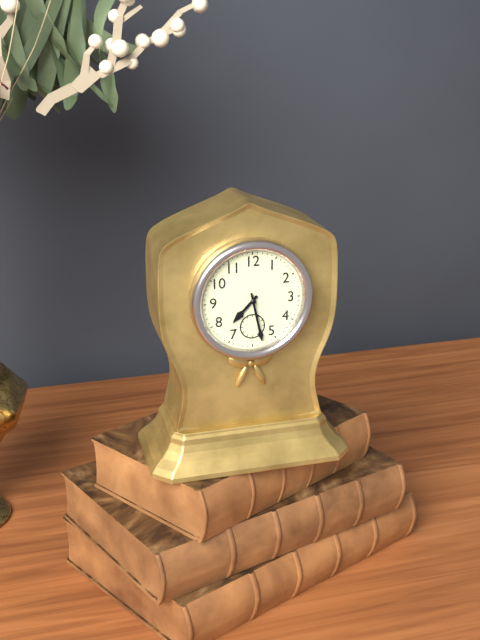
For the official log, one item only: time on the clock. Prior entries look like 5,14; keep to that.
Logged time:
7,28
